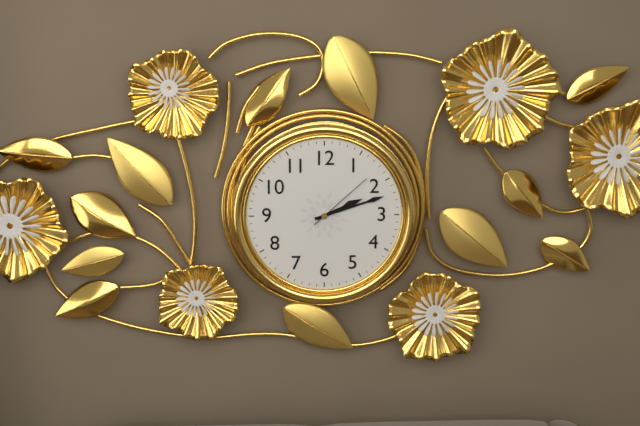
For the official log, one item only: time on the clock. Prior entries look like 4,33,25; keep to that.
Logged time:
2,12,08
